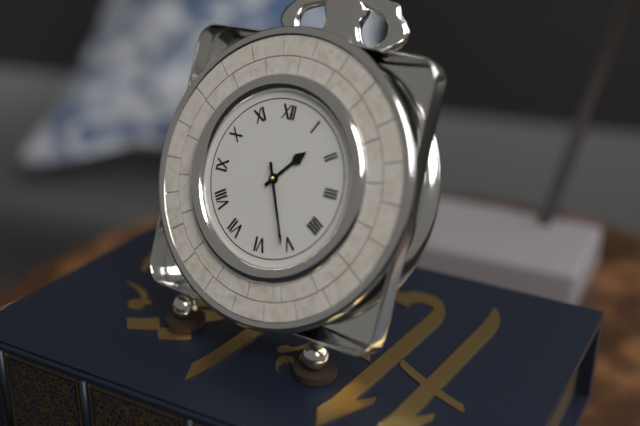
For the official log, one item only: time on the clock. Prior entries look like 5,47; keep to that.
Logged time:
1,26
